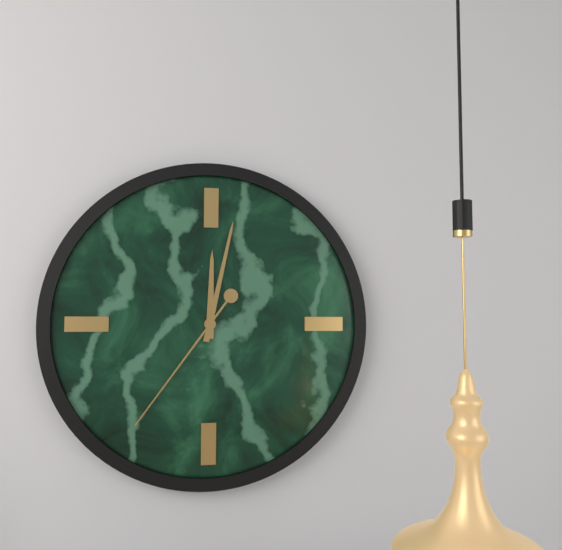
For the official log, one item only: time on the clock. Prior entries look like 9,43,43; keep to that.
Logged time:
12,02,36
